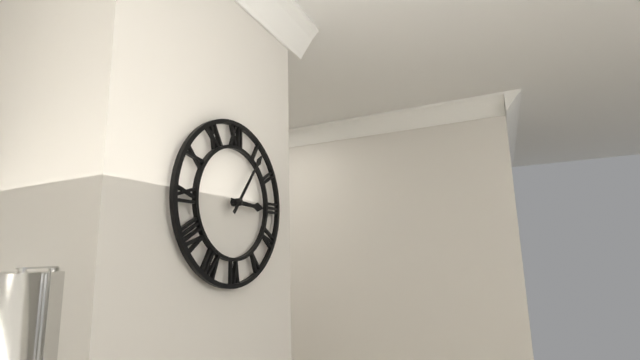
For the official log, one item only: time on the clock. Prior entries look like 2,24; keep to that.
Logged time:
3,06
